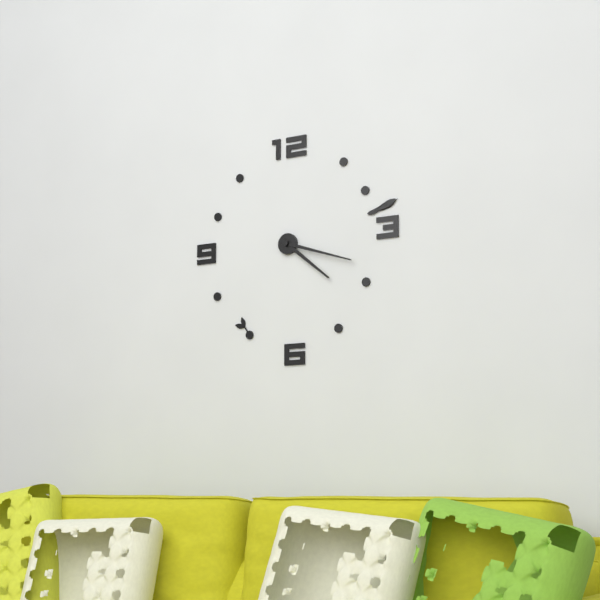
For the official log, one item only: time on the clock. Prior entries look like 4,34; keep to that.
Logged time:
4,18
